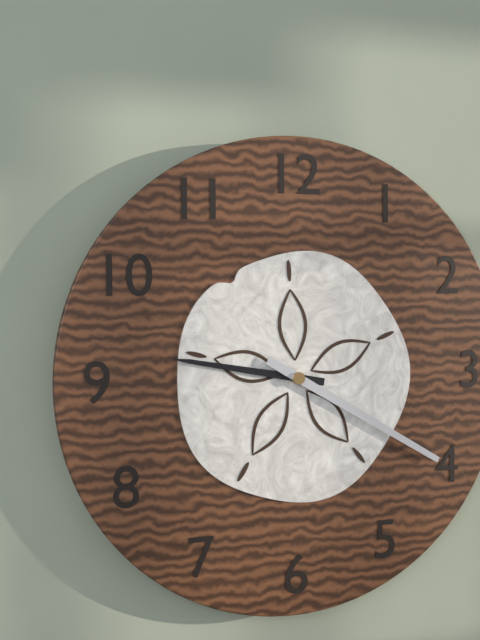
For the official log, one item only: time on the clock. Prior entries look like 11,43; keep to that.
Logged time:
9,20
